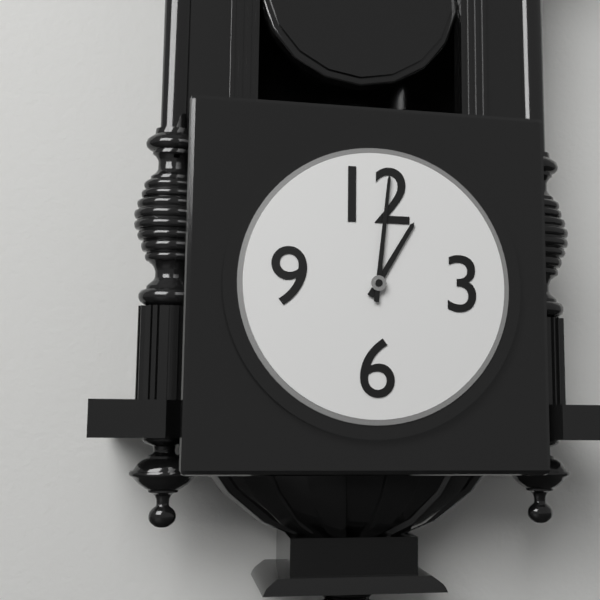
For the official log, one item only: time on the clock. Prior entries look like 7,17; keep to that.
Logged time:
1,01
